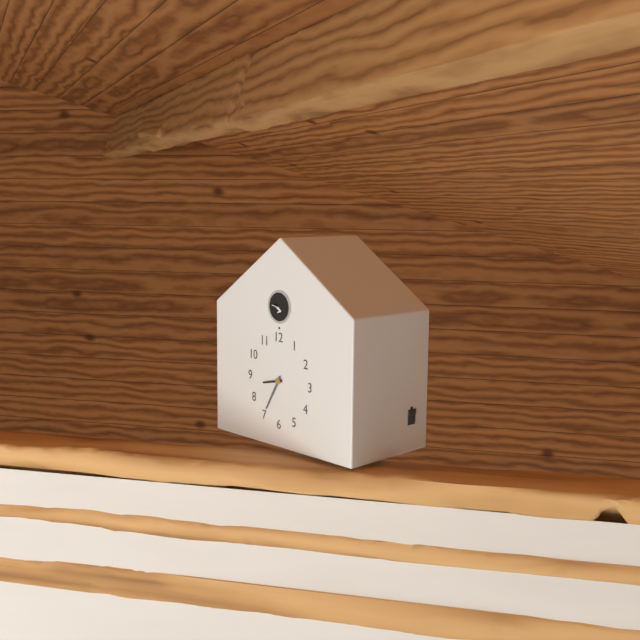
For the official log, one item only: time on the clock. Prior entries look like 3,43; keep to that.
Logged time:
8,35
